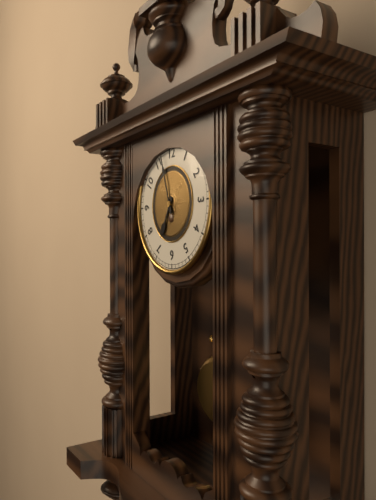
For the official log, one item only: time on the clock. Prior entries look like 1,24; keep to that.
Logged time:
6,57
